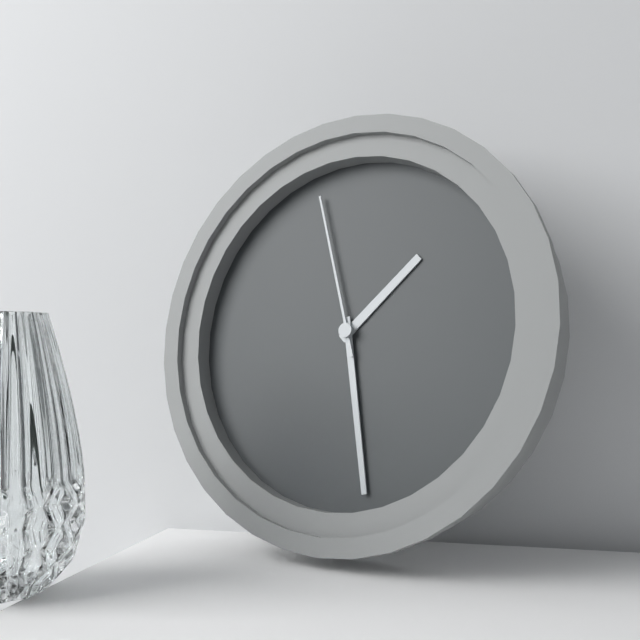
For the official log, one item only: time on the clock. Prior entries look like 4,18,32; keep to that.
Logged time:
1,28,57
